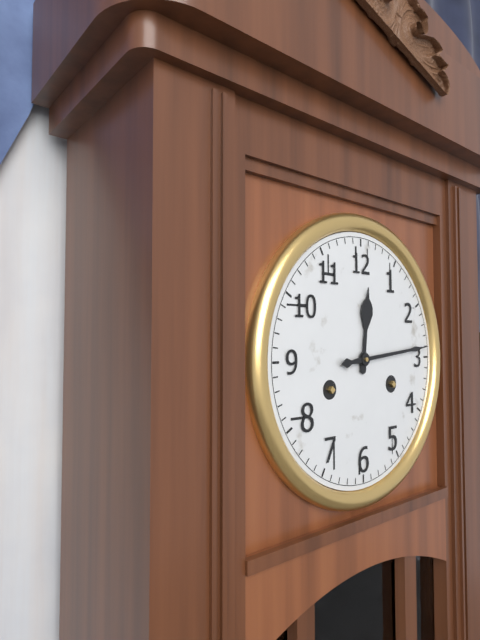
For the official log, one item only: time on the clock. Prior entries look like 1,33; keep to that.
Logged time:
12,14
